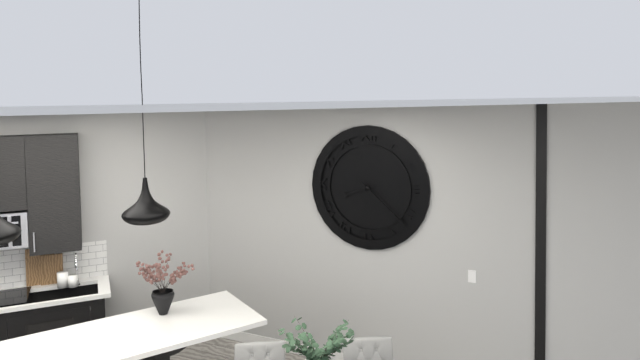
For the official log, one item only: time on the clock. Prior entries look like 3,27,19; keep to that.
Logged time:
8,22,22
